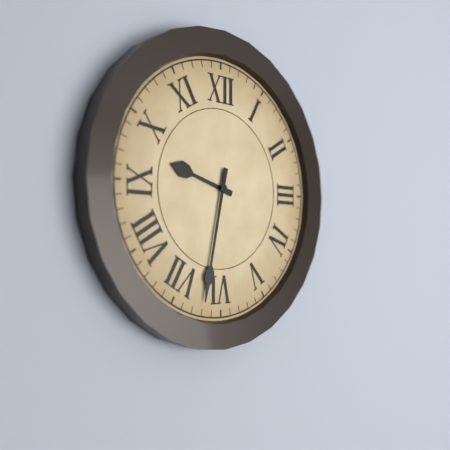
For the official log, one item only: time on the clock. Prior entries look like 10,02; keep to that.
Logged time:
9,32
